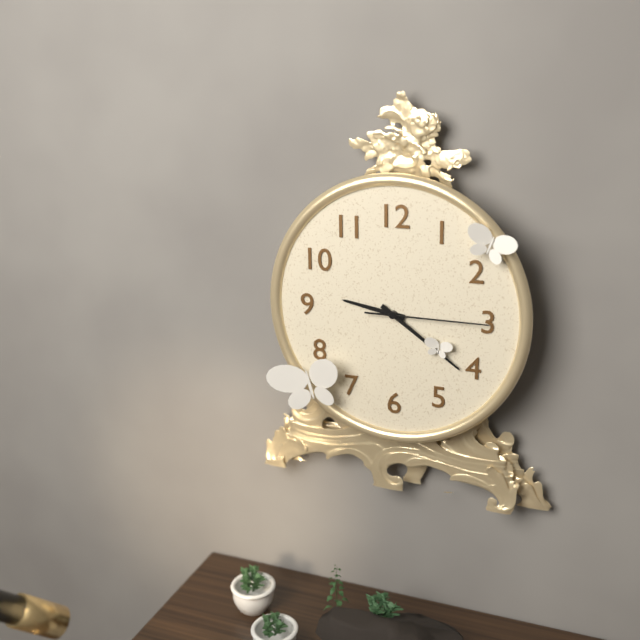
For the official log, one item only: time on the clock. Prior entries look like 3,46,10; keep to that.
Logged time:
9,21,15
